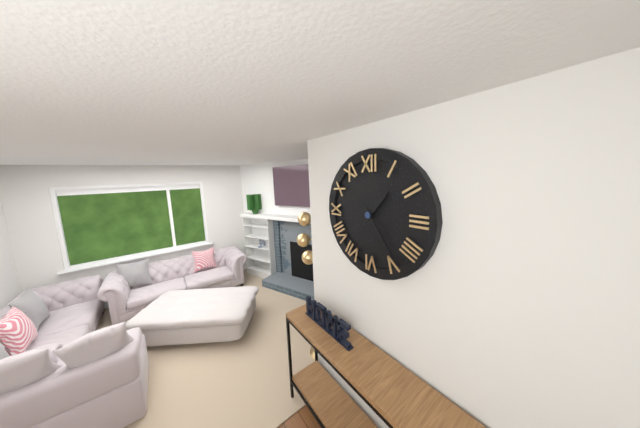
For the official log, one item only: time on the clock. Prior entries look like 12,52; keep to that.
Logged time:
1,24
